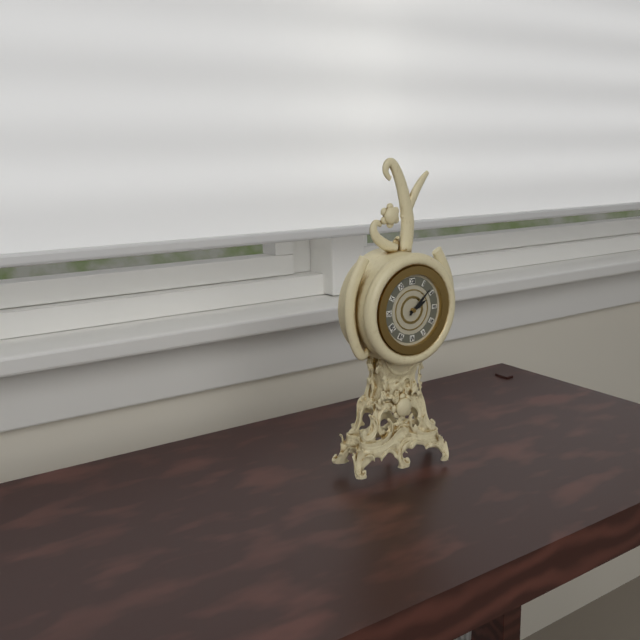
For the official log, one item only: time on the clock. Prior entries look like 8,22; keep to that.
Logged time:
2,08
